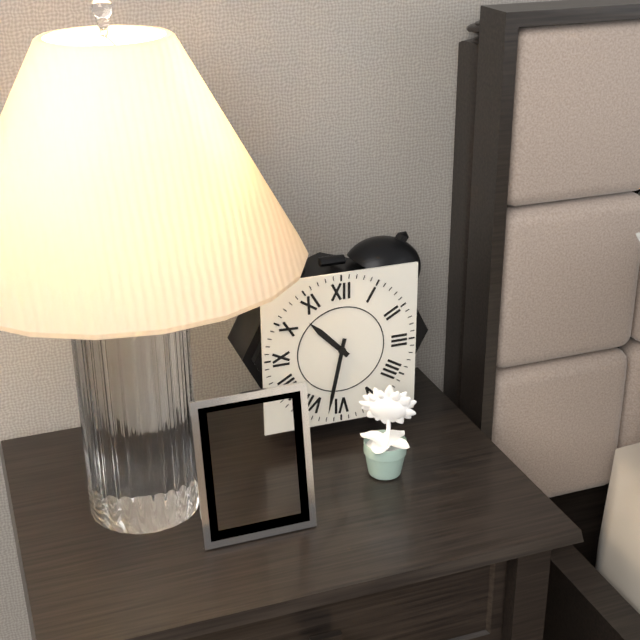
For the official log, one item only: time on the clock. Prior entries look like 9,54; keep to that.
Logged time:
10,32
